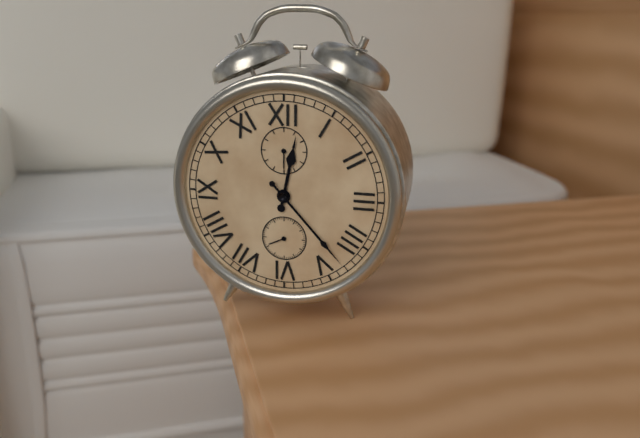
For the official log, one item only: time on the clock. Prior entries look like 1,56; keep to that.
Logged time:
12,23
